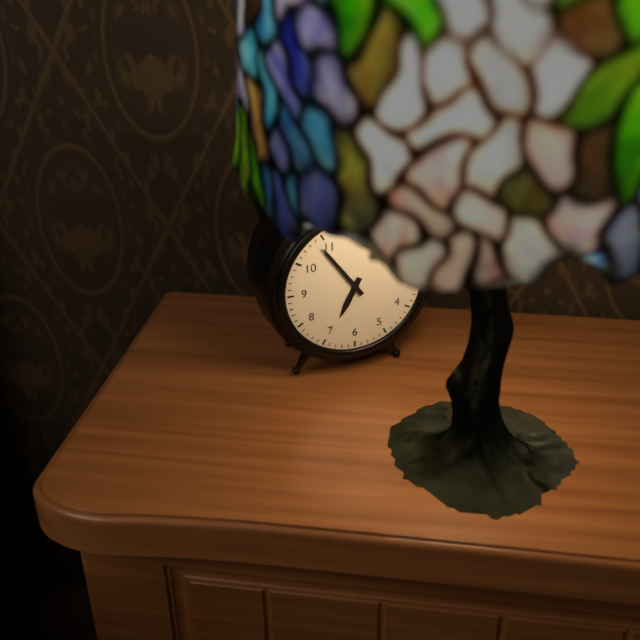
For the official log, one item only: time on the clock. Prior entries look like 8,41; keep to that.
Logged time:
6,54
